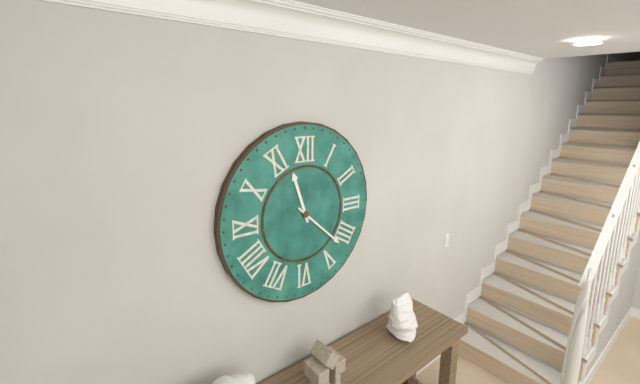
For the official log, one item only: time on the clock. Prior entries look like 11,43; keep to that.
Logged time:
11,22
